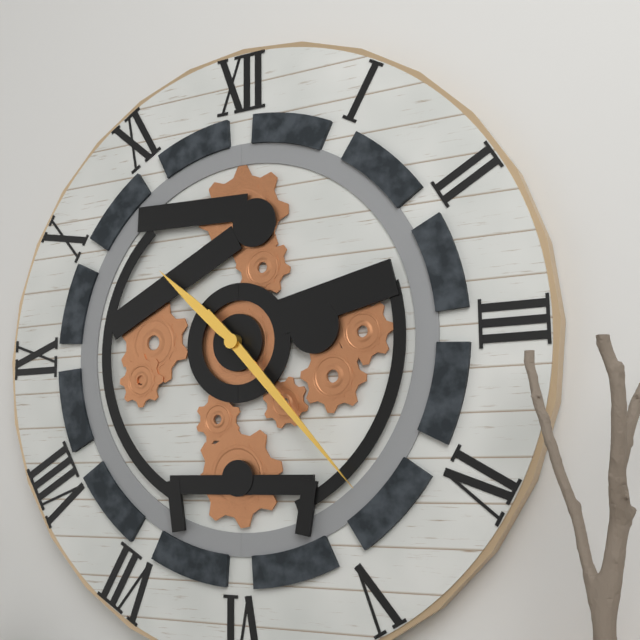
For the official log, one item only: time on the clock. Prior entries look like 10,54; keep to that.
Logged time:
10,23
